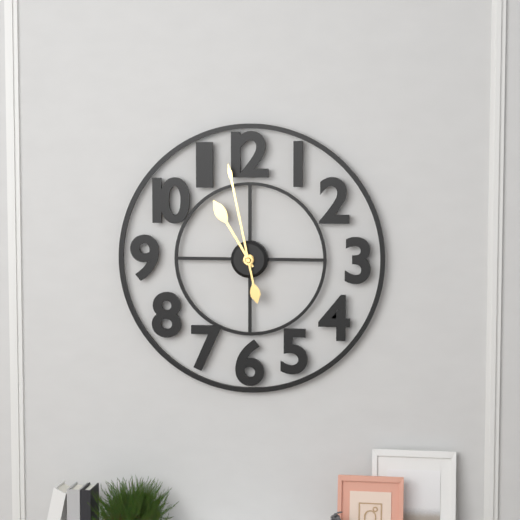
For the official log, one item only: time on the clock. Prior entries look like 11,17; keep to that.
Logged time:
10,58
